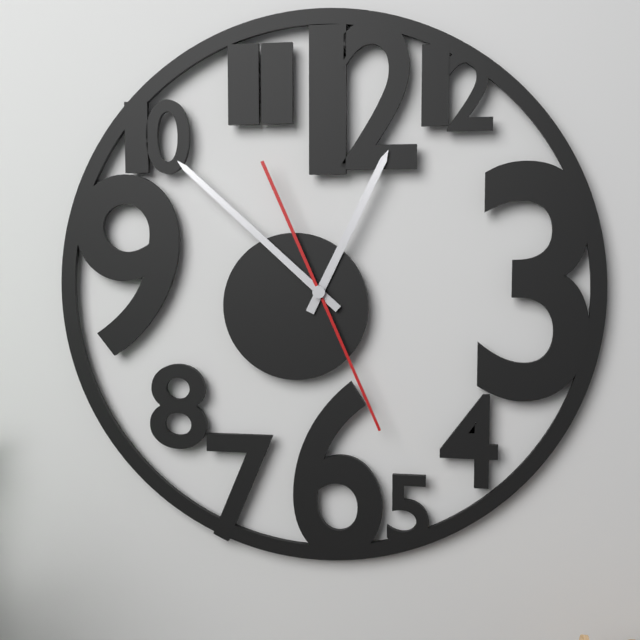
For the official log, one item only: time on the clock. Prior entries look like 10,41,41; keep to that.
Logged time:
12,52,26
